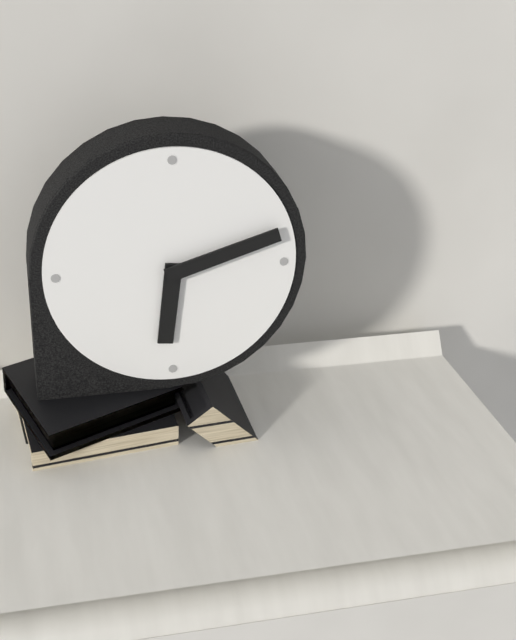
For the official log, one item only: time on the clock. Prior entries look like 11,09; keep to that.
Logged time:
6,12
